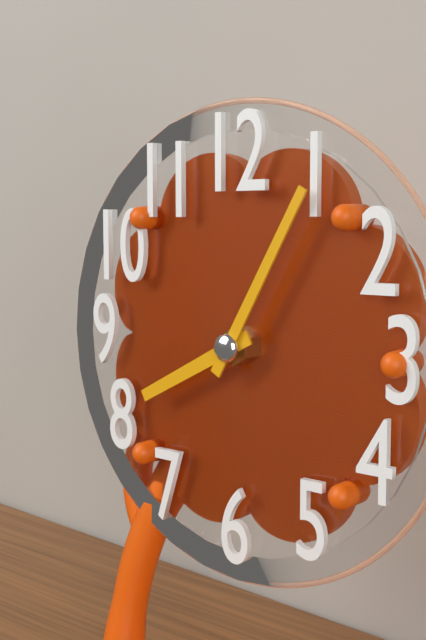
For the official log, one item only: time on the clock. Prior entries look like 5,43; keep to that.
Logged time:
8,05
